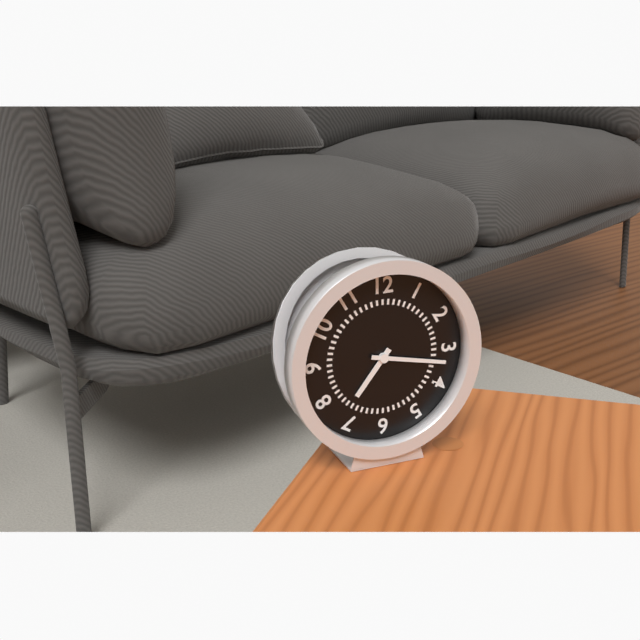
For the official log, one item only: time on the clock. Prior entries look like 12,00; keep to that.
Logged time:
7,17
